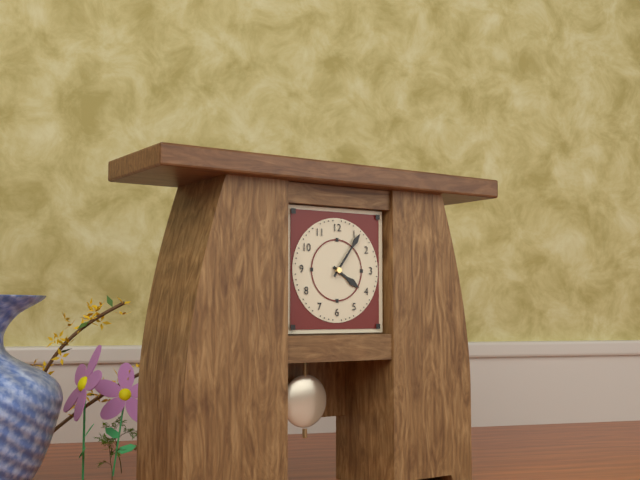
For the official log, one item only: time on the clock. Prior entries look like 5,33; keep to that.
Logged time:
4,06
